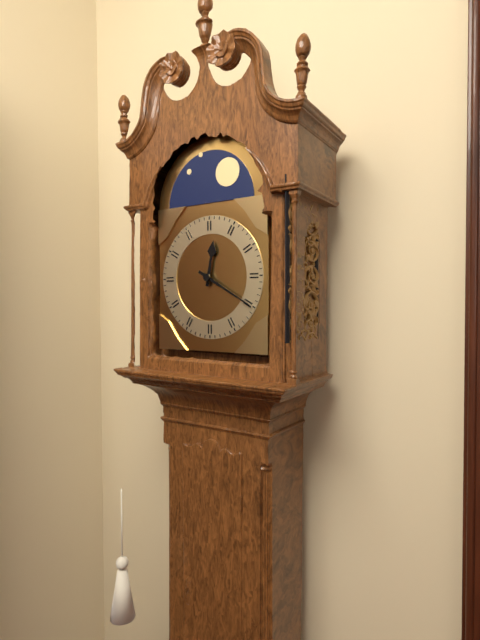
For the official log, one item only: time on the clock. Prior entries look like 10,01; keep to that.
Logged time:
12,20
